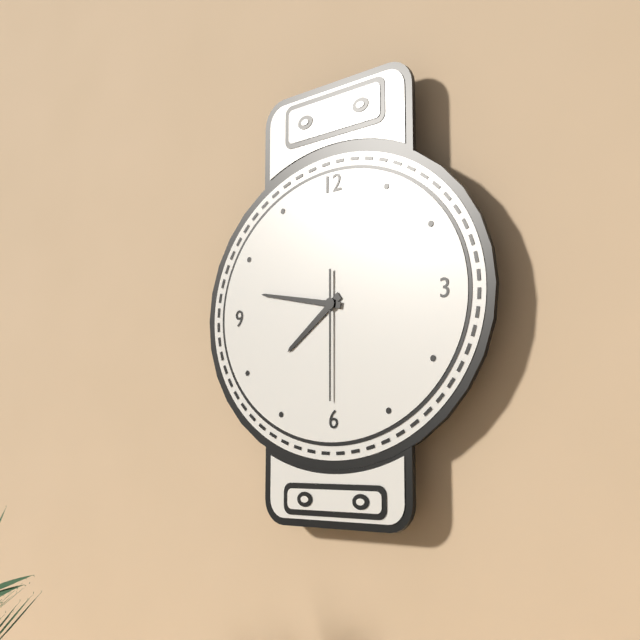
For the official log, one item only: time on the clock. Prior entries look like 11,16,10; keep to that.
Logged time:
7,47,30
